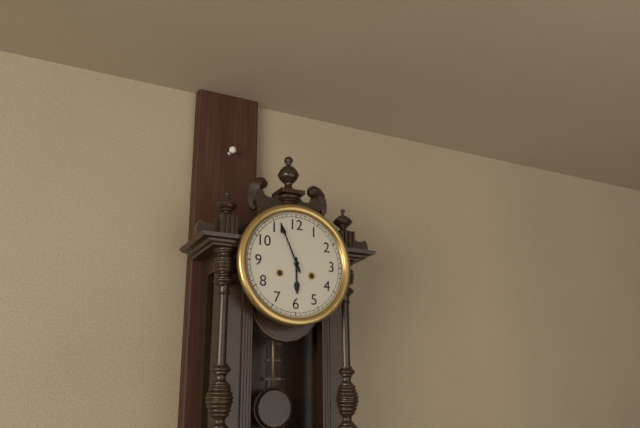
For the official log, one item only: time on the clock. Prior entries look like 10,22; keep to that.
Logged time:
5,56
